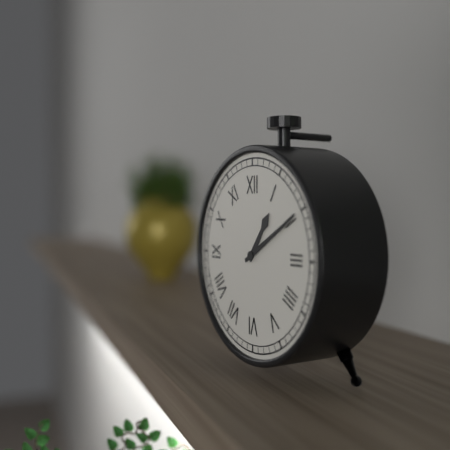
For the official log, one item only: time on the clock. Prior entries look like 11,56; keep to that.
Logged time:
1,10
